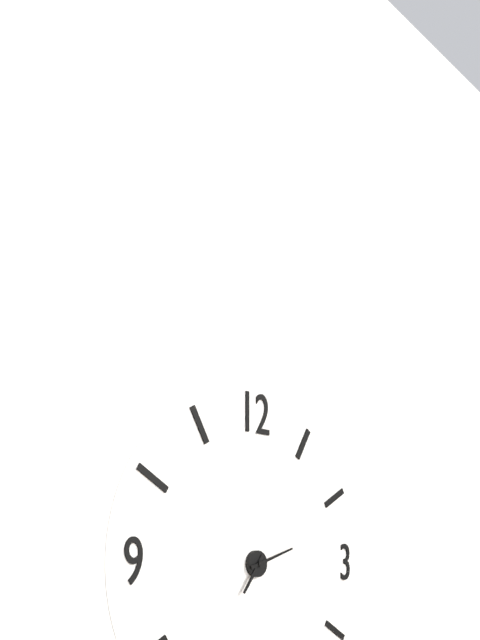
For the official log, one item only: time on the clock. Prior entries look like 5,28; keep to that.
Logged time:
7,12
